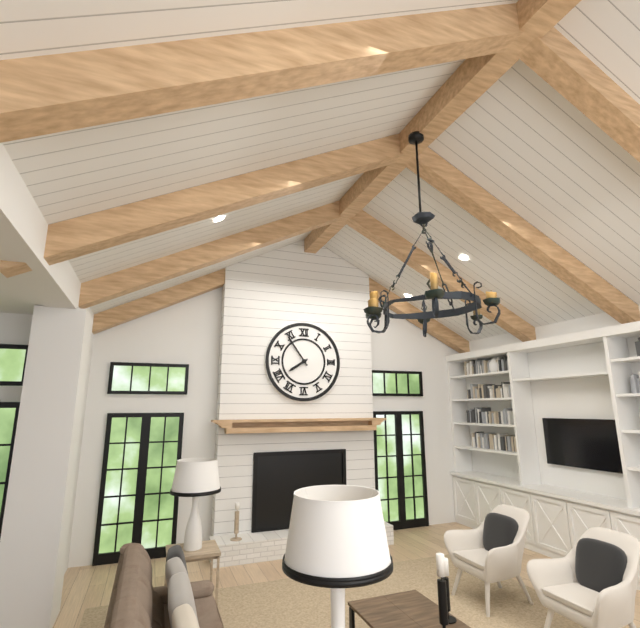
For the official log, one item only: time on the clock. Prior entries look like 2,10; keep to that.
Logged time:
7,54
